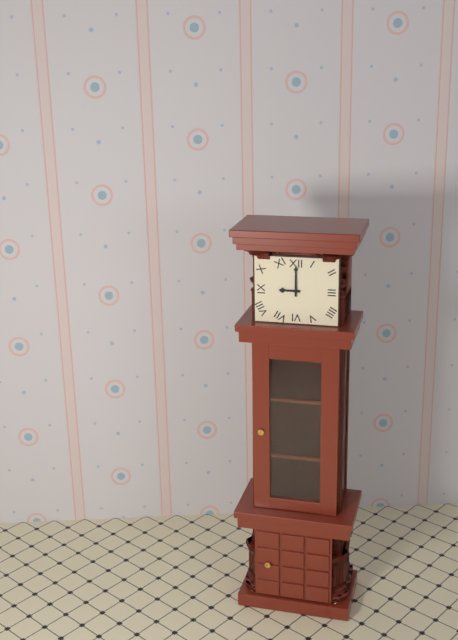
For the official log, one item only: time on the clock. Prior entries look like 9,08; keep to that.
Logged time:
9,00
